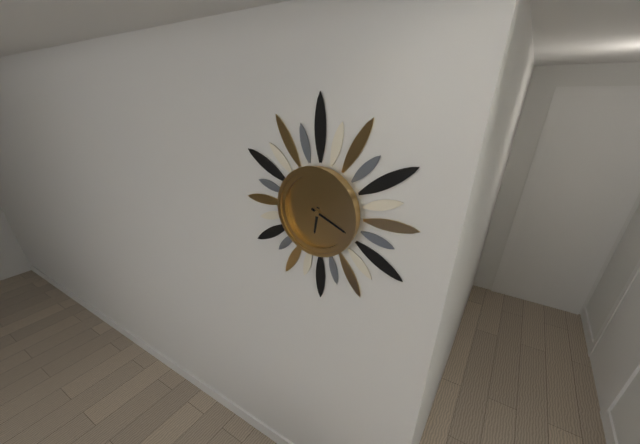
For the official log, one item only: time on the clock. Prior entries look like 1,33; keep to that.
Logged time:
6,19
